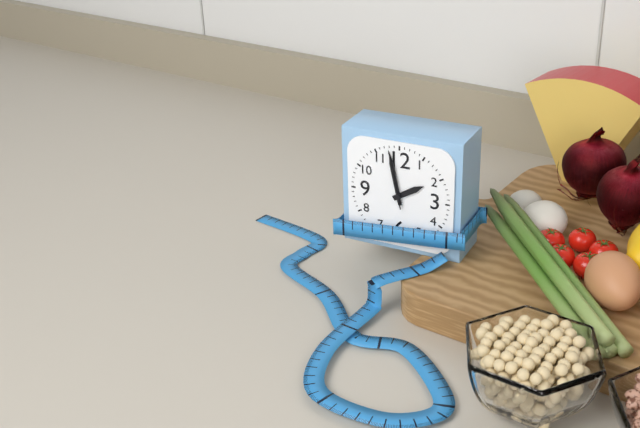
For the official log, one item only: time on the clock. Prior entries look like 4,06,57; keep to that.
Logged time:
1,58,58
